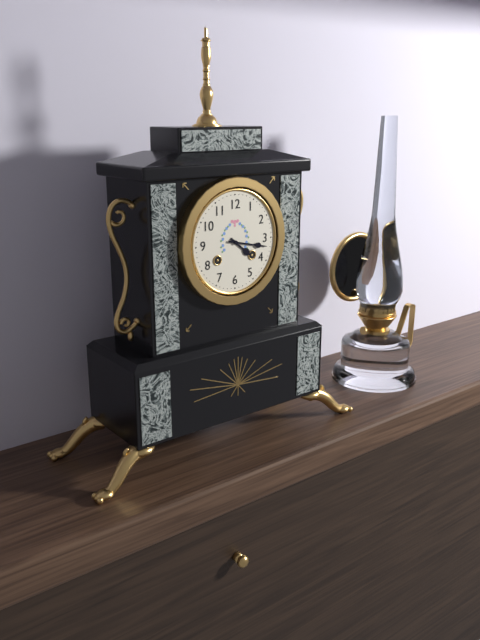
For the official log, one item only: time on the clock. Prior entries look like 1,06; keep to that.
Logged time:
4,17
